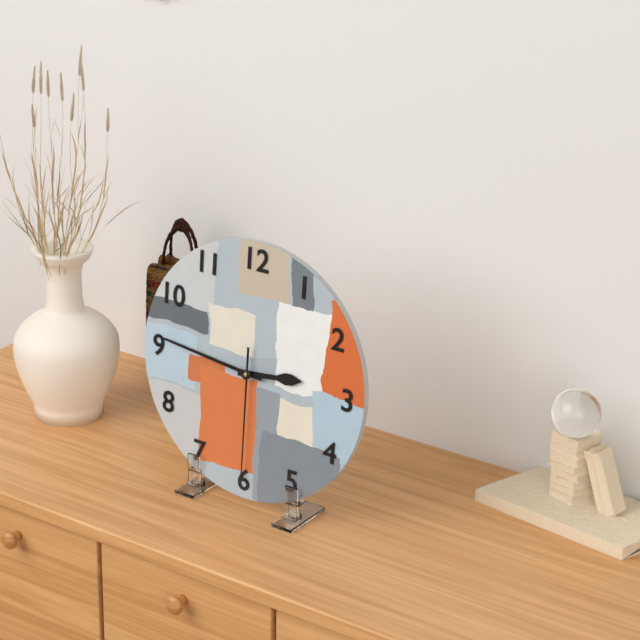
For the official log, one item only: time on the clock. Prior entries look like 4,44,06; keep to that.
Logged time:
2,46,30
